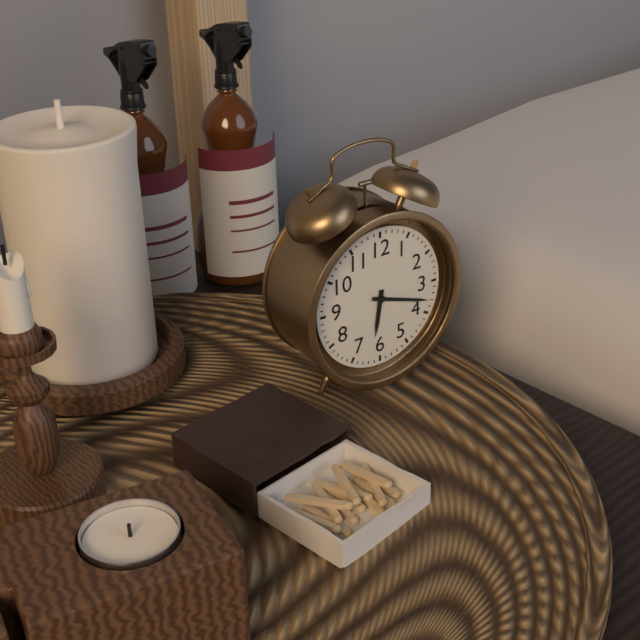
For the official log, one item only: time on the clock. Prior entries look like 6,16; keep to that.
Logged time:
6,18
